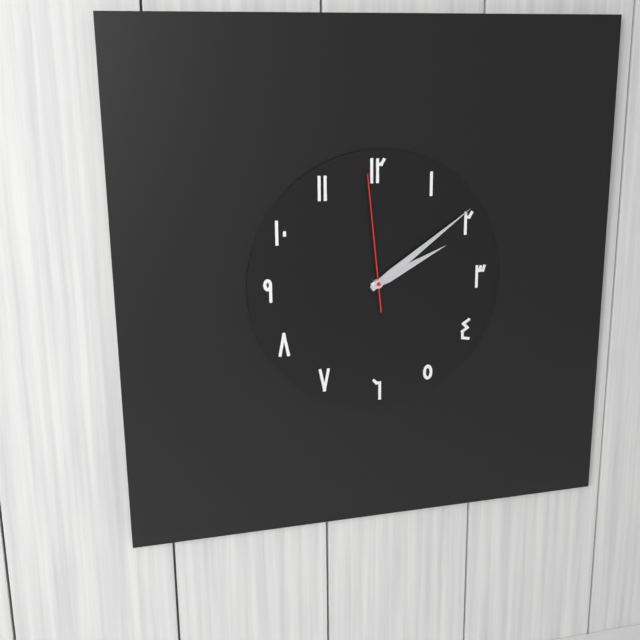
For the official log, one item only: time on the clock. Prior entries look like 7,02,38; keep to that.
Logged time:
2,09,59
